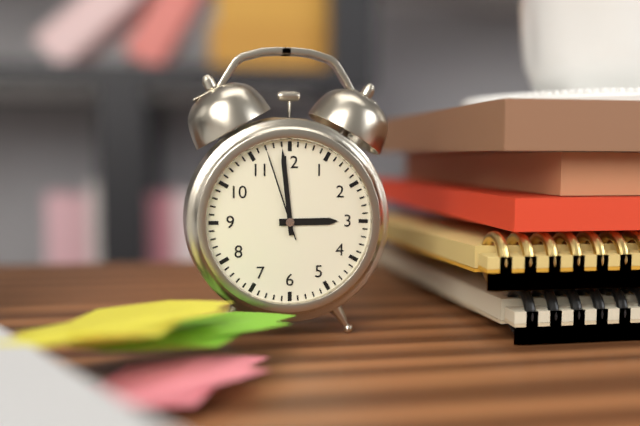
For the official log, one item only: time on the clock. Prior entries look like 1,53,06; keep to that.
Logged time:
2,59,57
